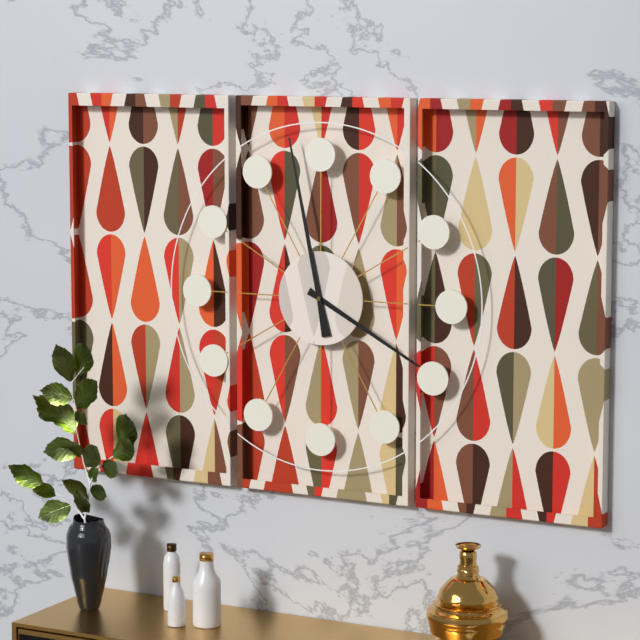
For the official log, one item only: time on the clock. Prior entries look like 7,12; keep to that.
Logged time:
3,58
